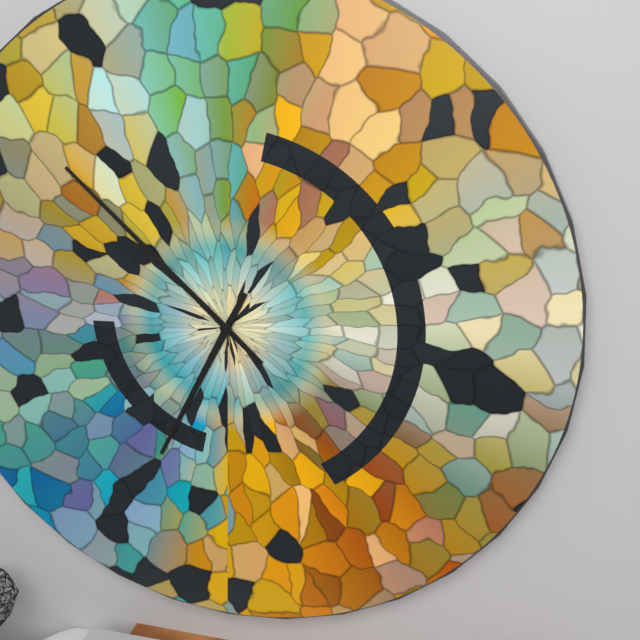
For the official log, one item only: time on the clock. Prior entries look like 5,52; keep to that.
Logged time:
6,52
